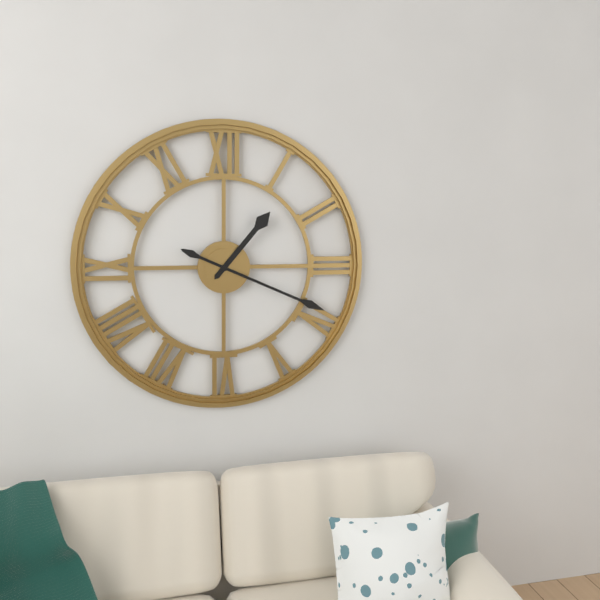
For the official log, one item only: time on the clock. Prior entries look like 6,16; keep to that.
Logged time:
1,19
